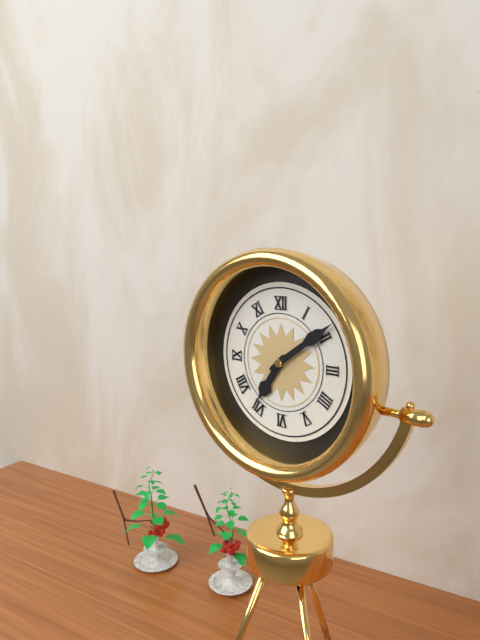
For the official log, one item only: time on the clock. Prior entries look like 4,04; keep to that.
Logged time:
7,09
